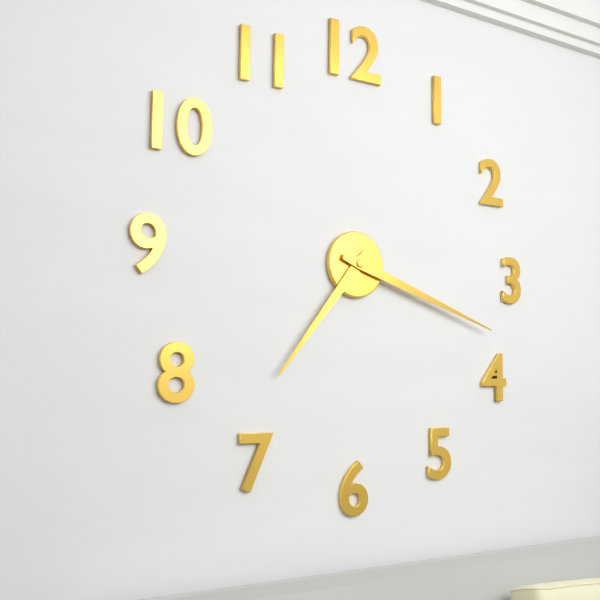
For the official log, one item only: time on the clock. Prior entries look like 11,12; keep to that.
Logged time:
7,18
